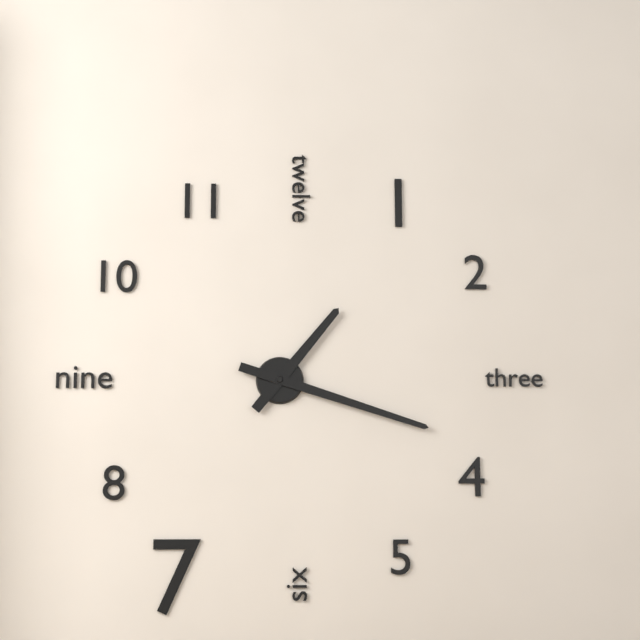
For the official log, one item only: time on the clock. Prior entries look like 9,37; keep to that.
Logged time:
1,18
